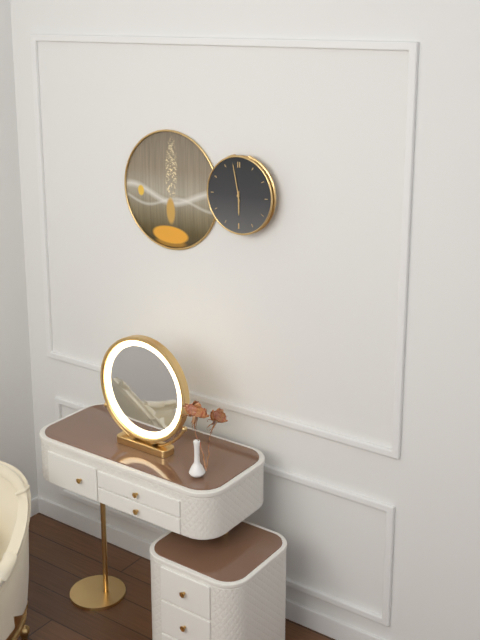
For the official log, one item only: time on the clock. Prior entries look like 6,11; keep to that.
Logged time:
5,58
